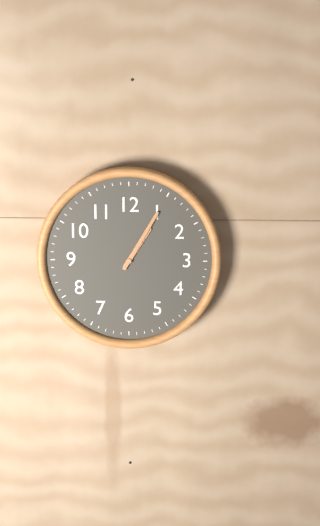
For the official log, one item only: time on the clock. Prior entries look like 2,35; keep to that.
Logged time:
1,05
